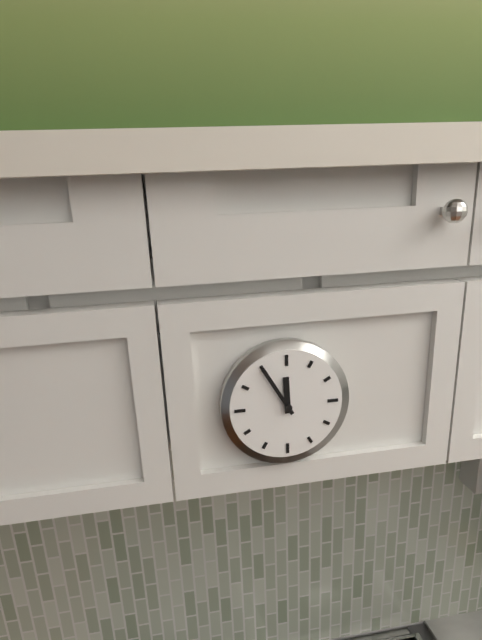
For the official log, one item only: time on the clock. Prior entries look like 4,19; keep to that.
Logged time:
11,55
